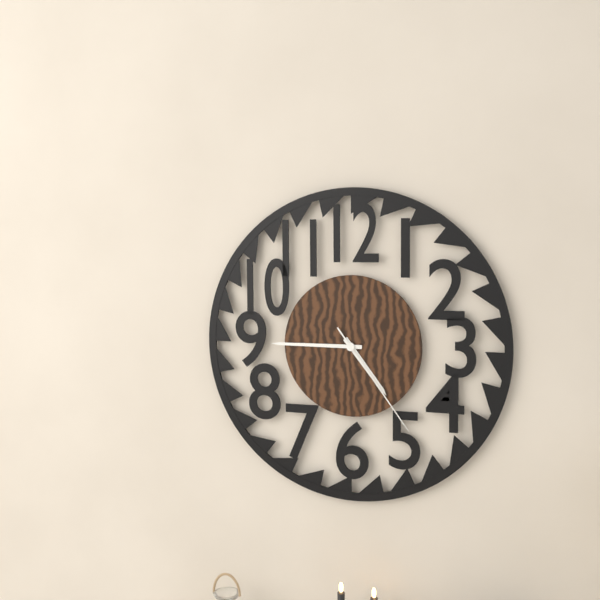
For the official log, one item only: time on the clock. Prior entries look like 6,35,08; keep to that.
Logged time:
4,45,24
